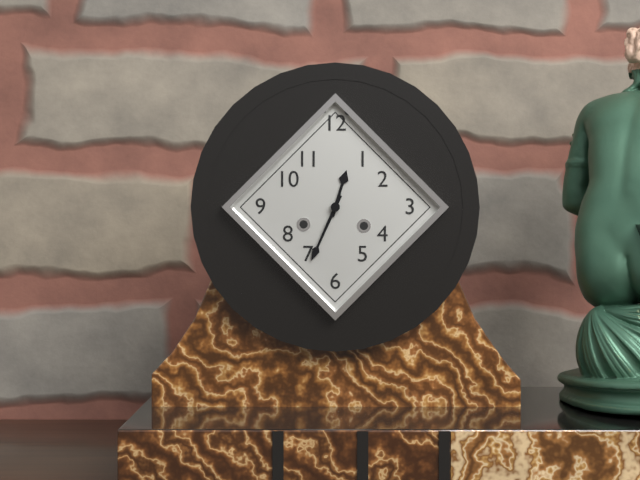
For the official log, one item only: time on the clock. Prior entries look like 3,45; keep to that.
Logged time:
12,34
